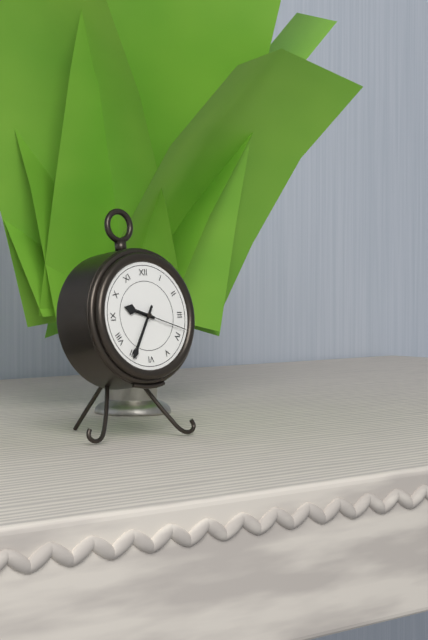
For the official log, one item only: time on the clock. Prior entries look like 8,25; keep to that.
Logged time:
9,35
